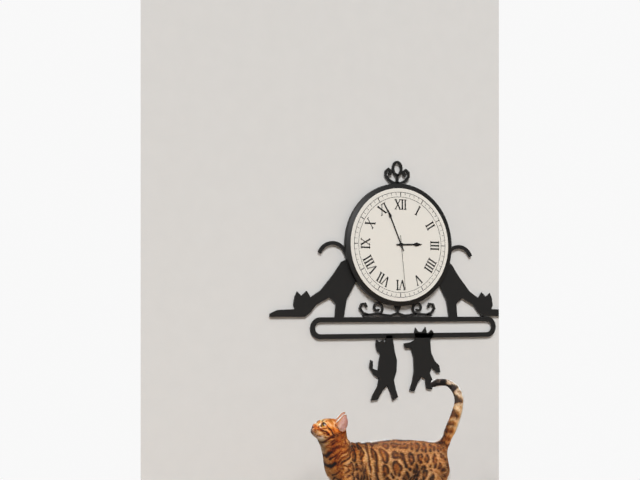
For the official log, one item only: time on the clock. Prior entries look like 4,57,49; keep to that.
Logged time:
2,56,29
